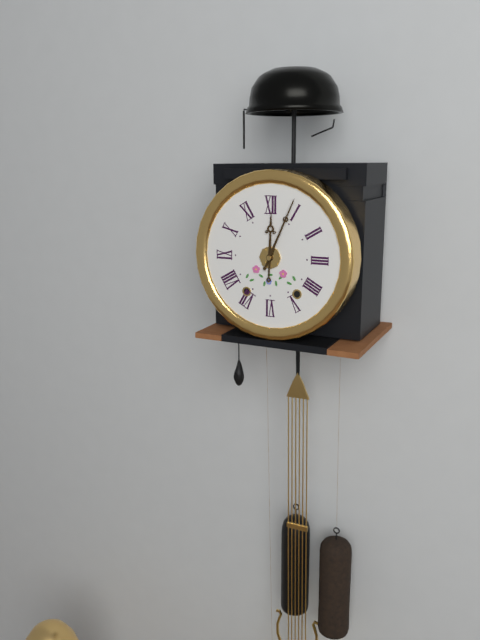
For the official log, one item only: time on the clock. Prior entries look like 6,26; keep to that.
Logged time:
12,04
